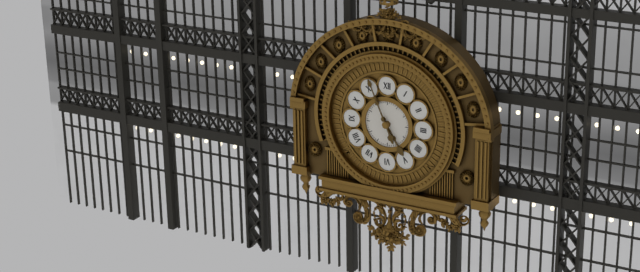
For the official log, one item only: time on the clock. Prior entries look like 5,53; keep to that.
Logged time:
4,56
